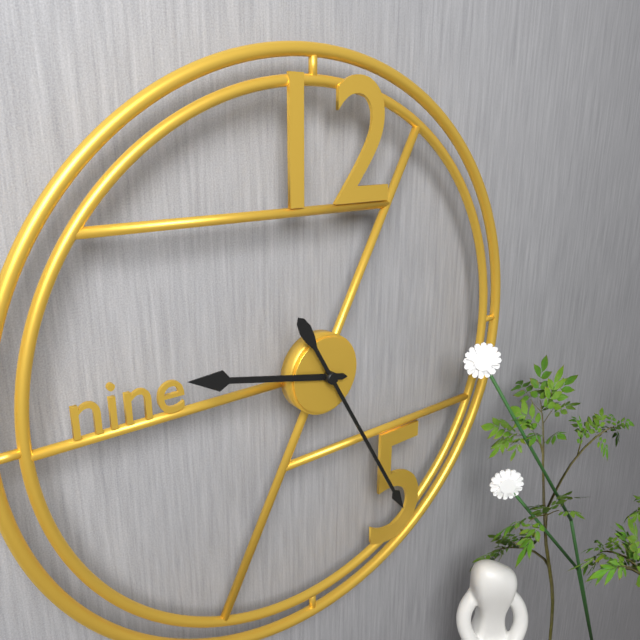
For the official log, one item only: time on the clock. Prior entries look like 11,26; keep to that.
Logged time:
9,25
